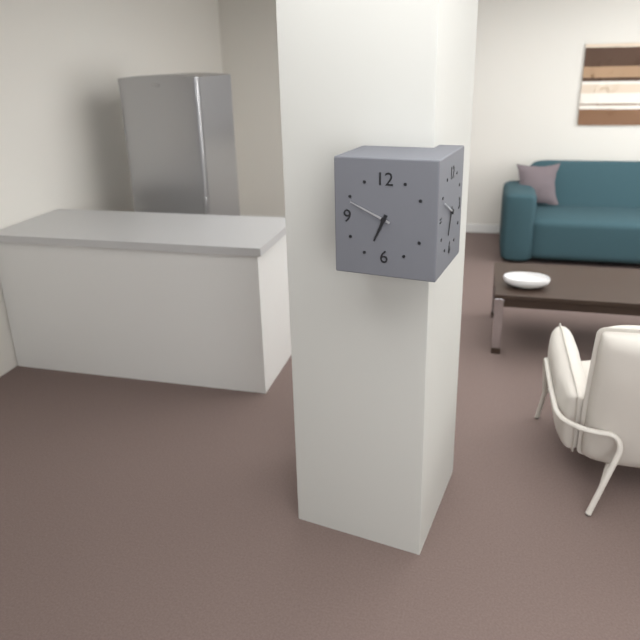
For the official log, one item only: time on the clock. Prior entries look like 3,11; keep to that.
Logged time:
6,49
